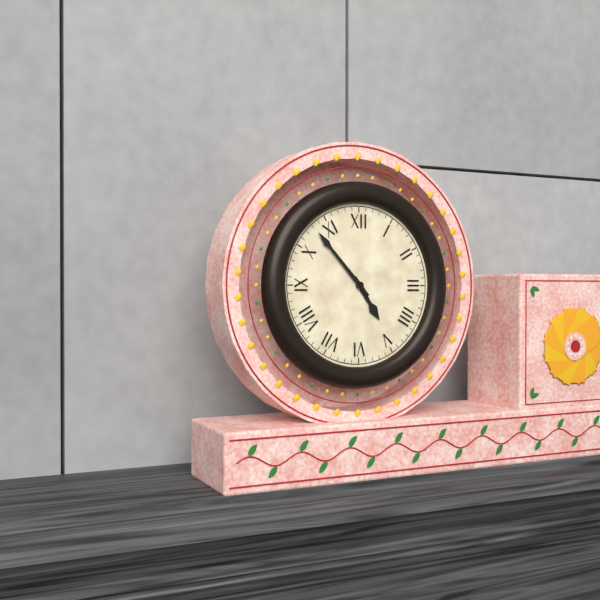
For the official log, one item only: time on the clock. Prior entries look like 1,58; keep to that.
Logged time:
4,53
